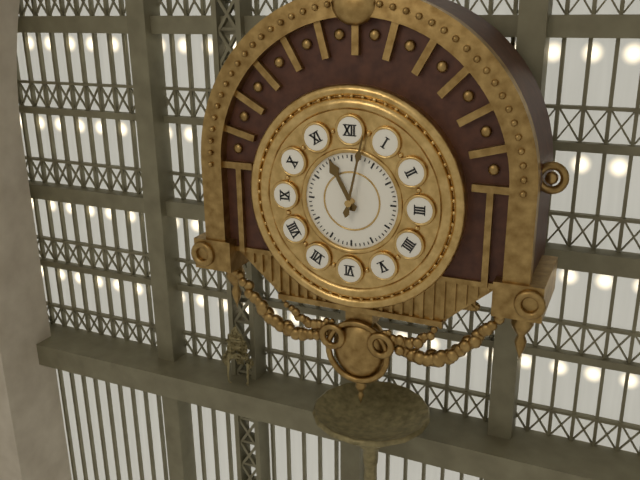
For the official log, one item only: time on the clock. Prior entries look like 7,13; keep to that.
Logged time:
11,02
